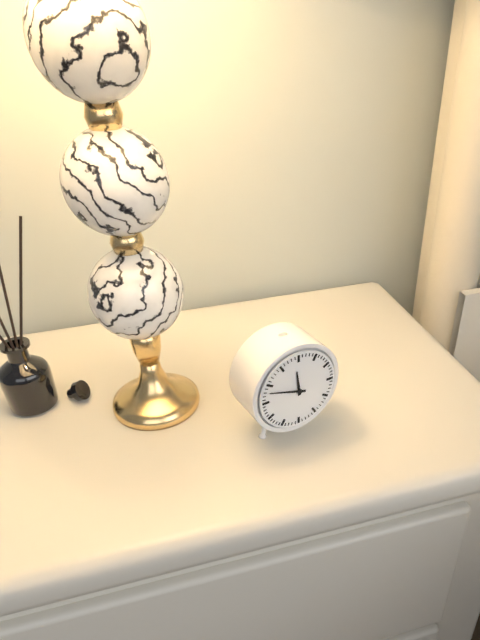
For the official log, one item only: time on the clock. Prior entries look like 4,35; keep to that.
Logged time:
11,48
